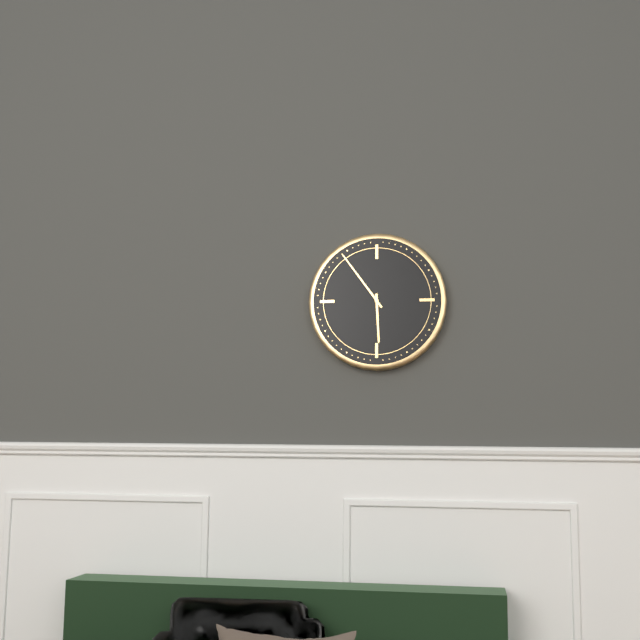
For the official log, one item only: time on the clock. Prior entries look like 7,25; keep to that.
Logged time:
5,54
